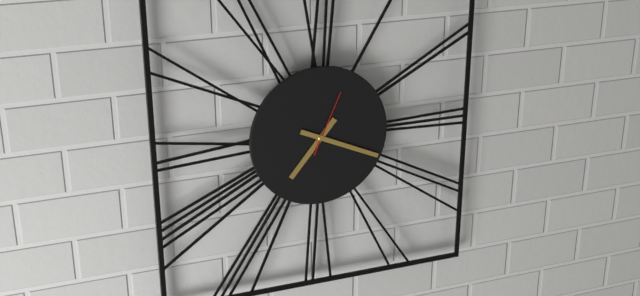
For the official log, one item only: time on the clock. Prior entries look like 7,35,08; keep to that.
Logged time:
7,19,04
